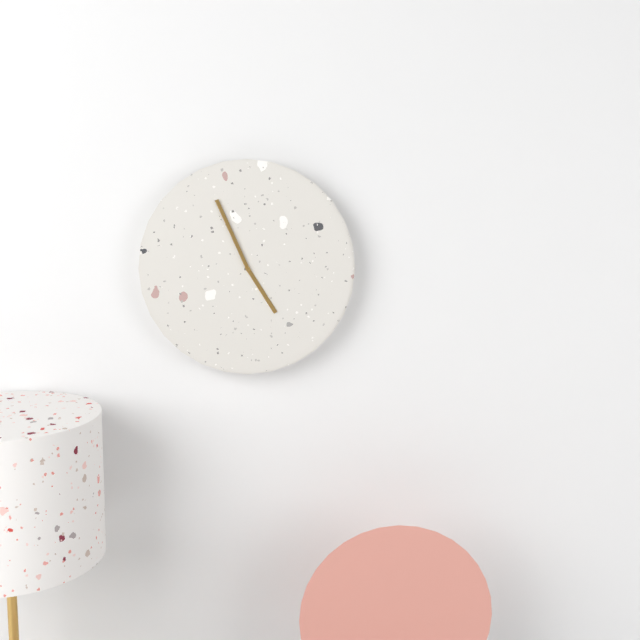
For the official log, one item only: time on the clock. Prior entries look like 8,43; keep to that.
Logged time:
4,56
